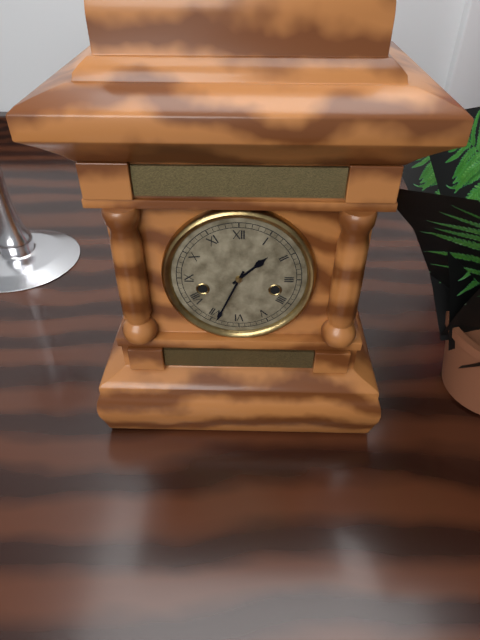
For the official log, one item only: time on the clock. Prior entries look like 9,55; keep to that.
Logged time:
1,34
